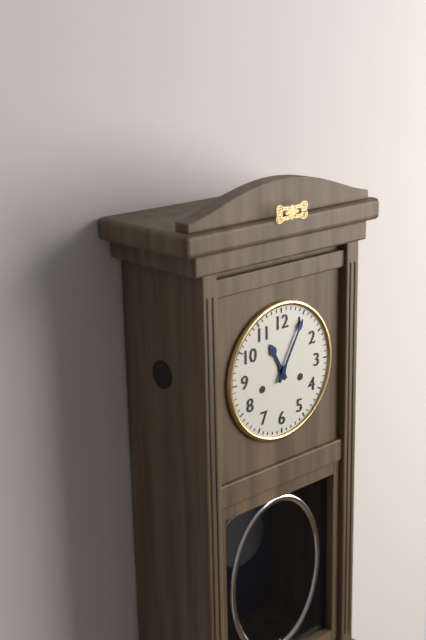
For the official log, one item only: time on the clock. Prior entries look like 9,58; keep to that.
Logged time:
11,05
